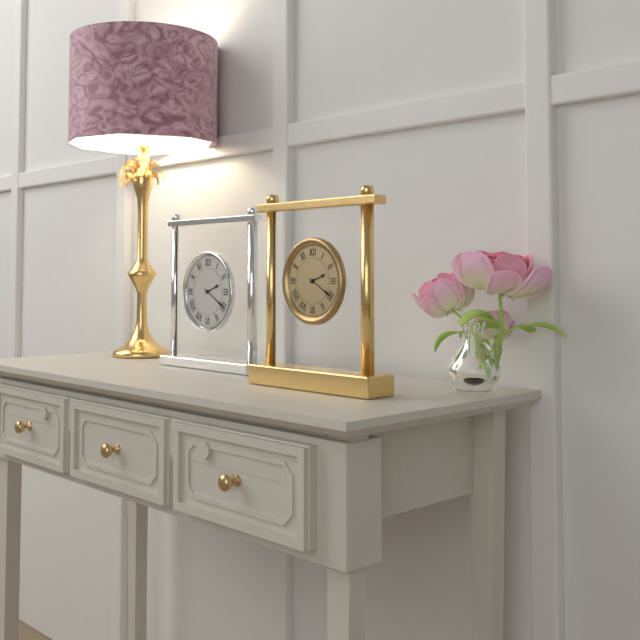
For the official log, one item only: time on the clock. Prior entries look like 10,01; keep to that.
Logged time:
2,20
